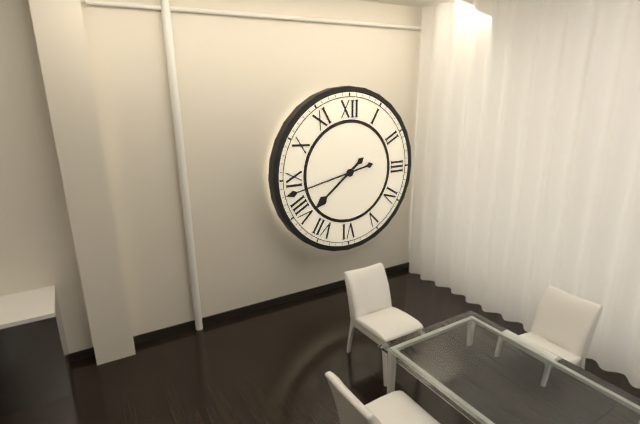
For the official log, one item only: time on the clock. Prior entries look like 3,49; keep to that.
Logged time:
7,43
